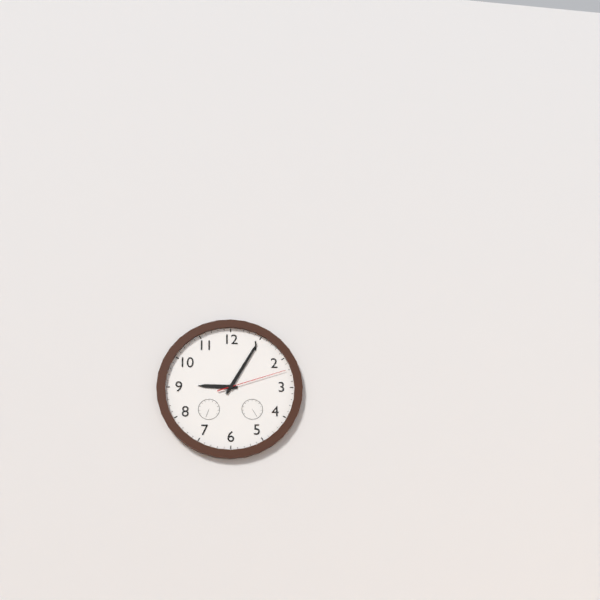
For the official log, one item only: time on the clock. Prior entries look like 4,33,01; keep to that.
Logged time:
9,05,12
